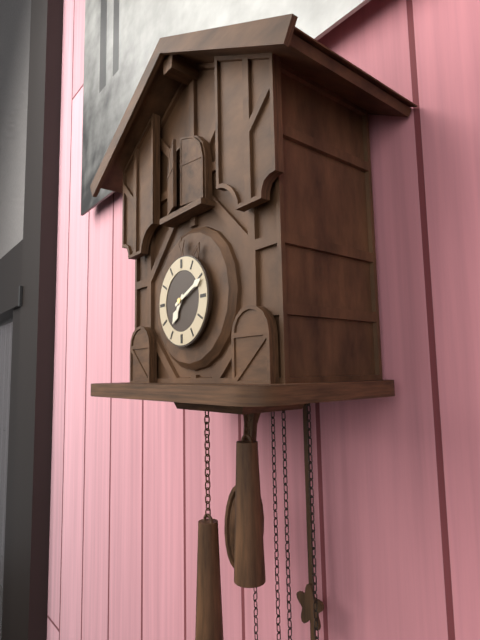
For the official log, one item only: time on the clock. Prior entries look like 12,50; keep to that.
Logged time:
7,11
